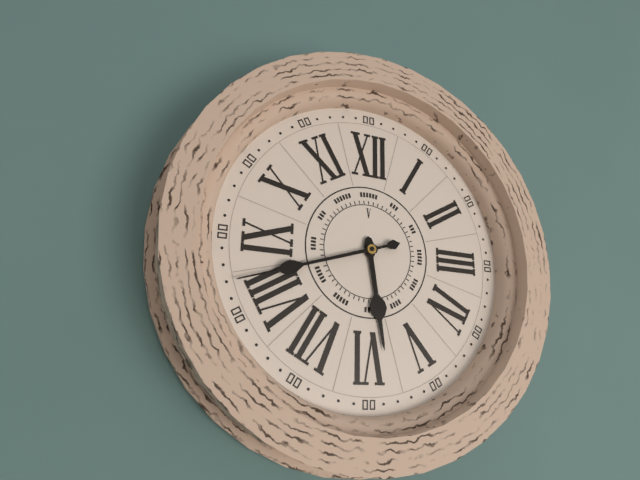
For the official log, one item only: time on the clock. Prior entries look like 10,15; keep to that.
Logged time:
5,42
